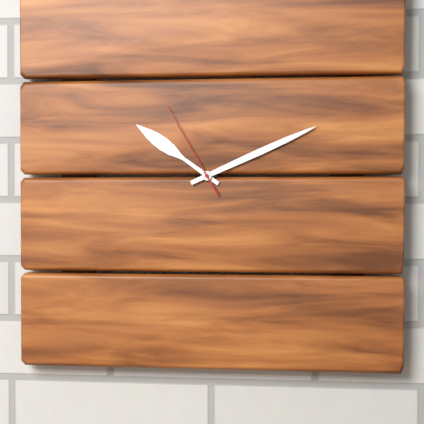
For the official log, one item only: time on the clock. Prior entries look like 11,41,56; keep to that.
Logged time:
10,11,55
